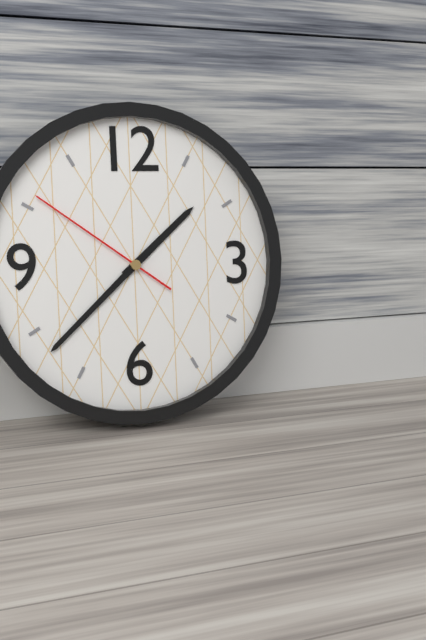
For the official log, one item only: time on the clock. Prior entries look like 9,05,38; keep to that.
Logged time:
1,38,51
